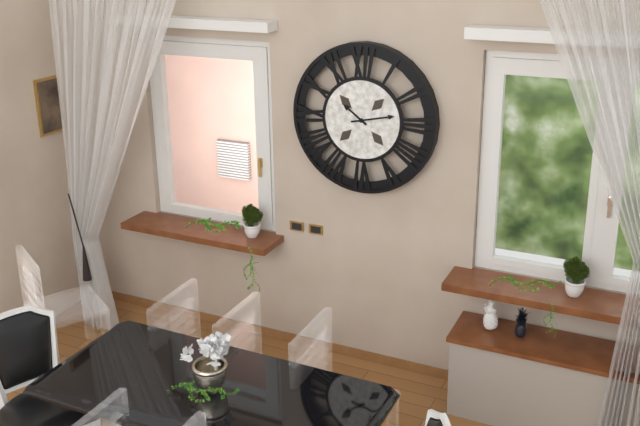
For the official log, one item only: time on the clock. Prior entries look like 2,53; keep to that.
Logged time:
10,13
